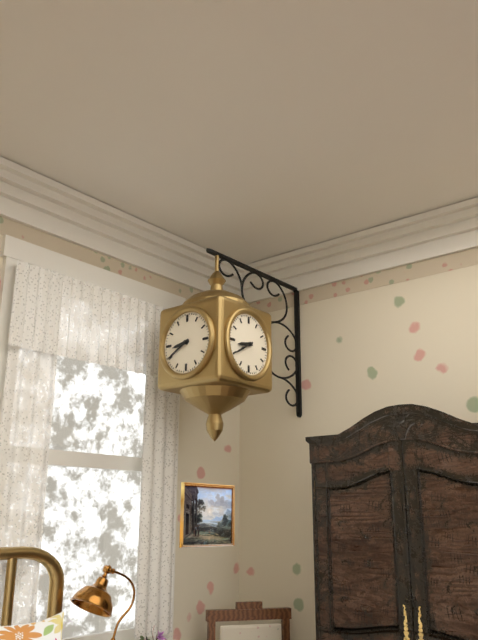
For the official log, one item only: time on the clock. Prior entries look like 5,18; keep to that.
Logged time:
8,40
